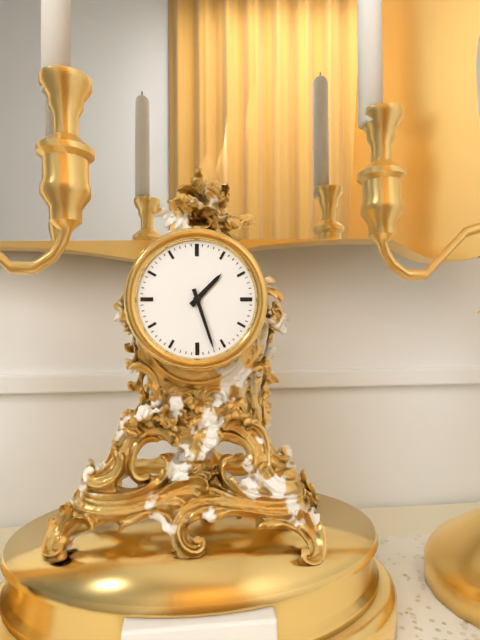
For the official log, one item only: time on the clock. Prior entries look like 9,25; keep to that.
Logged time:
1,27
